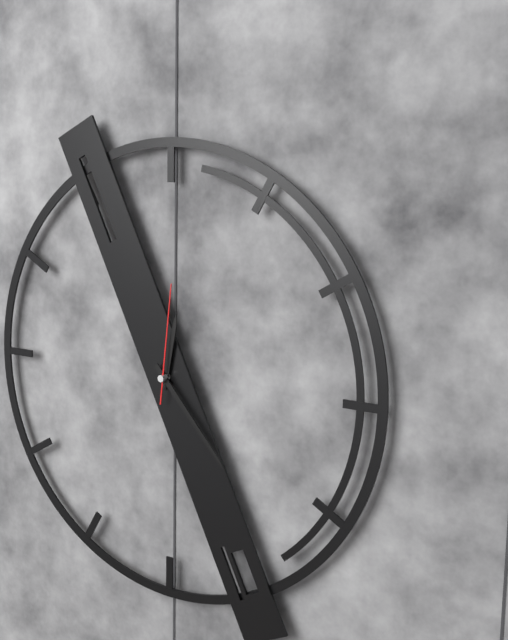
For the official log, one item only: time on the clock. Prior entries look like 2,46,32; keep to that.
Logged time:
12,23,01
